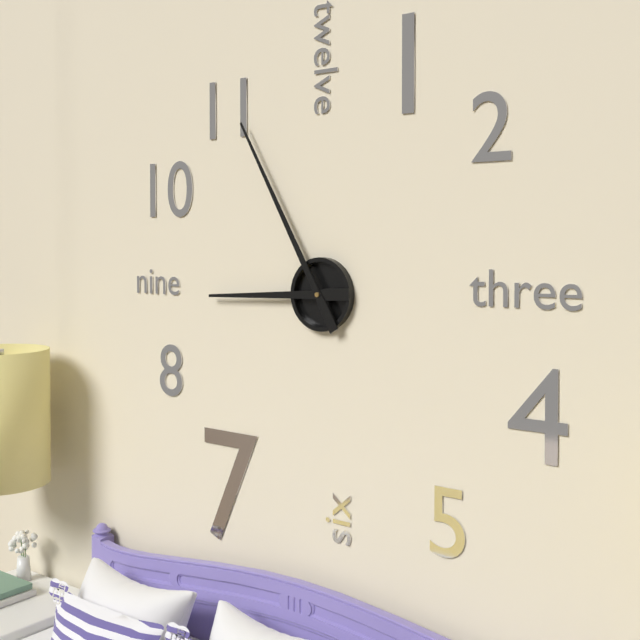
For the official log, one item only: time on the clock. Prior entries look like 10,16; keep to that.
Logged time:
8,55
